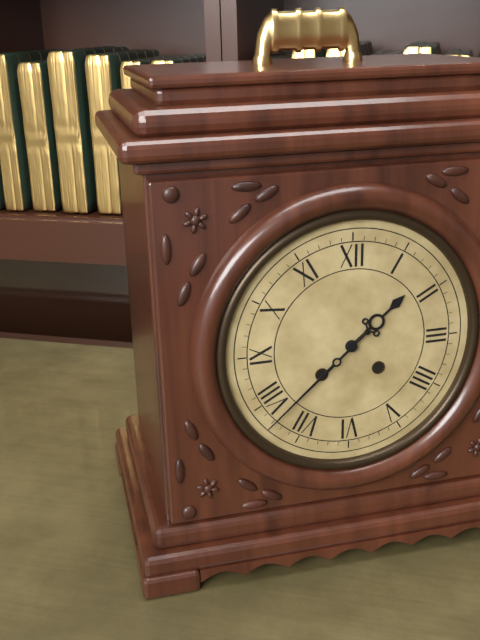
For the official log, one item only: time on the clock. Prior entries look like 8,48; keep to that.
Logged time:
1,38
